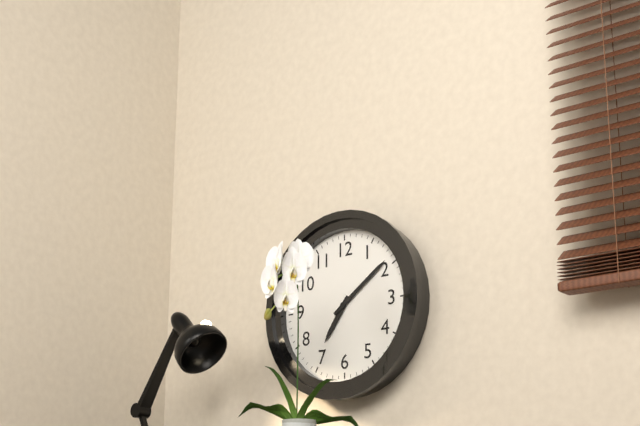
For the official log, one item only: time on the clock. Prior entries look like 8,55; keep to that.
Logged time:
7,09
